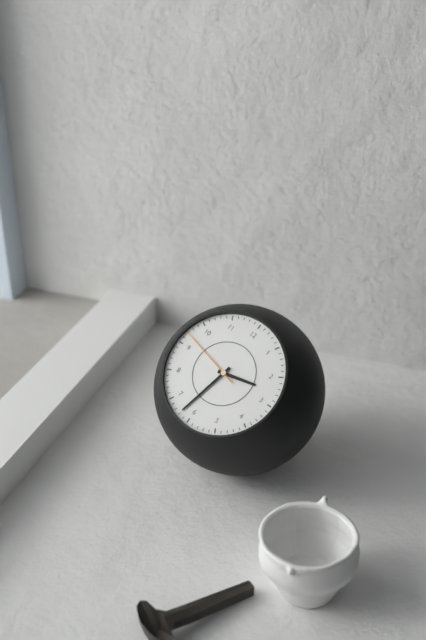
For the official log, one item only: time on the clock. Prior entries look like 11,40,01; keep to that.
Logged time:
2,32,47
